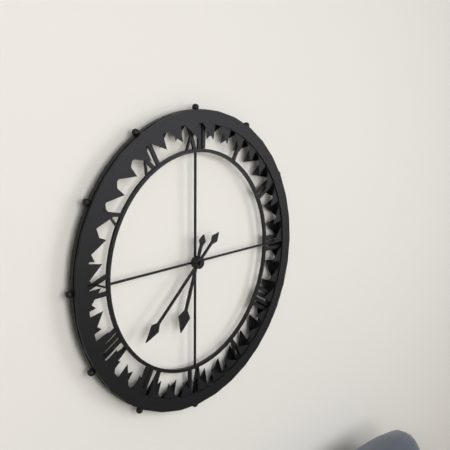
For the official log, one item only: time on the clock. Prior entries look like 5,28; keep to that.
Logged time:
6,38
